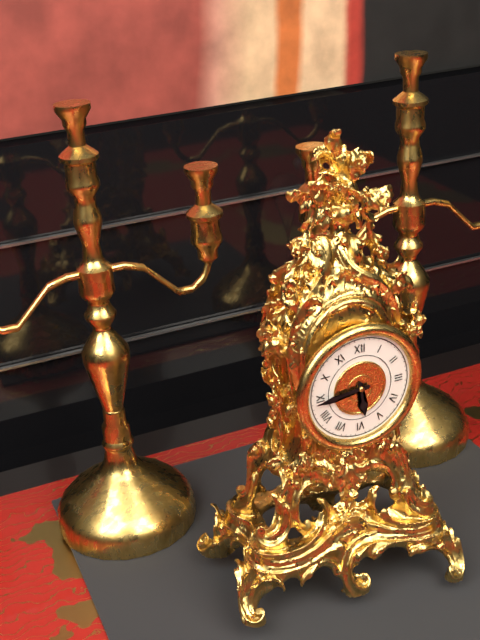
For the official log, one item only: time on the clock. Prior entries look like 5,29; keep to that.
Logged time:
5,44
